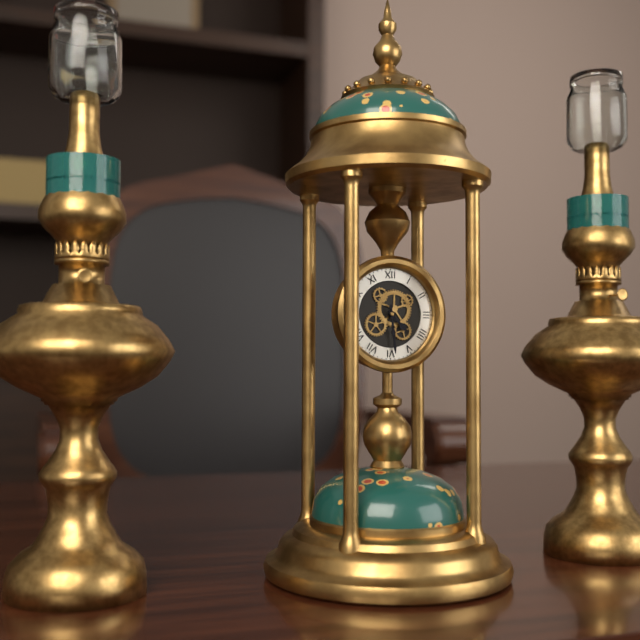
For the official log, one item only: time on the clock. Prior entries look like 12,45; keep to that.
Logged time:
4,29
